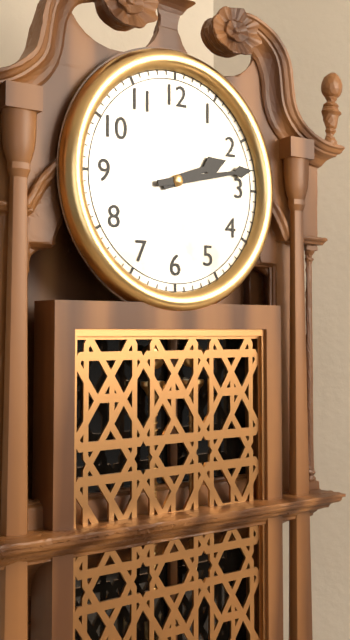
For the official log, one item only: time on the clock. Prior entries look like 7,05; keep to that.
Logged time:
2,13
